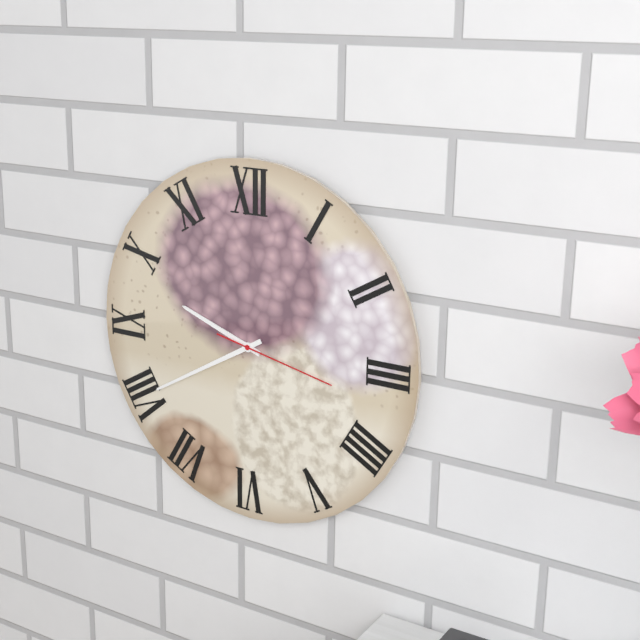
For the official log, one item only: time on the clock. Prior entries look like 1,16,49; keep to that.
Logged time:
9,40,17
